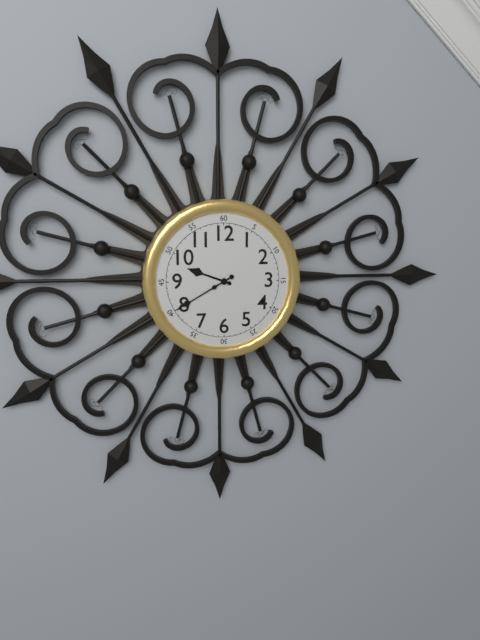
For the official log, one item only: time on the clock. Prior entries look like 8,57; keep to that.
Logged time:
9,40
